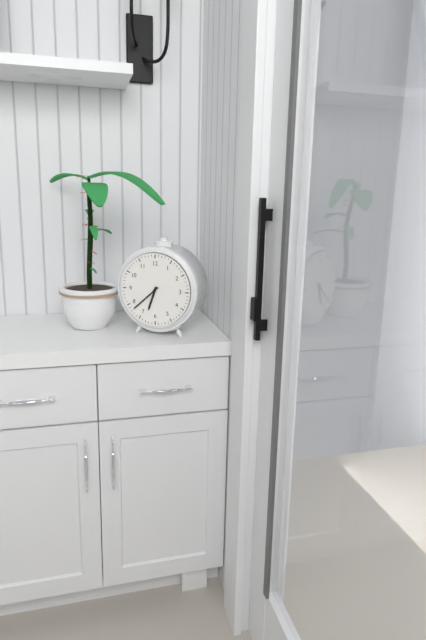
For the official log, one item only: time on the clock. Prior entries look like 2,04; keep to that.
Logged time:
6,38
